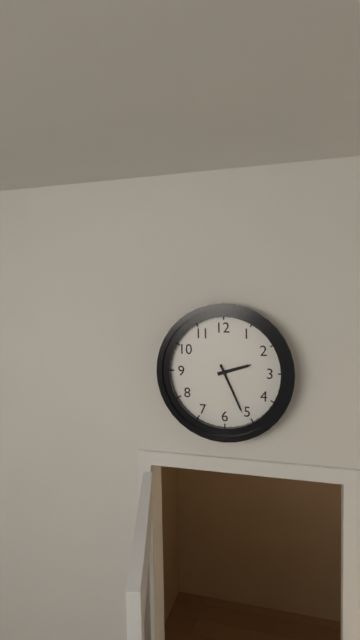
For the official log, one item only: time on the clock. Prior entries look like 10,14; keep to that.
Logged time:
2,26
